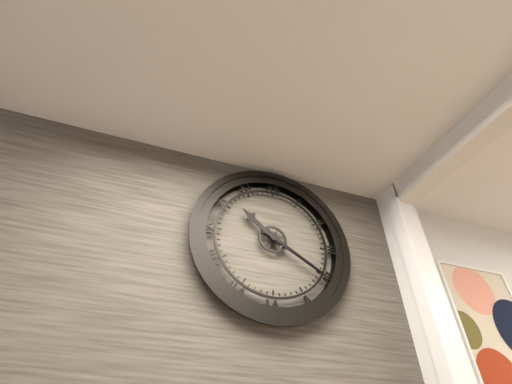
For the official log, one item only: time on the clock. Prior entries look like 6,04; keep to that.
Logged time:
10,20
